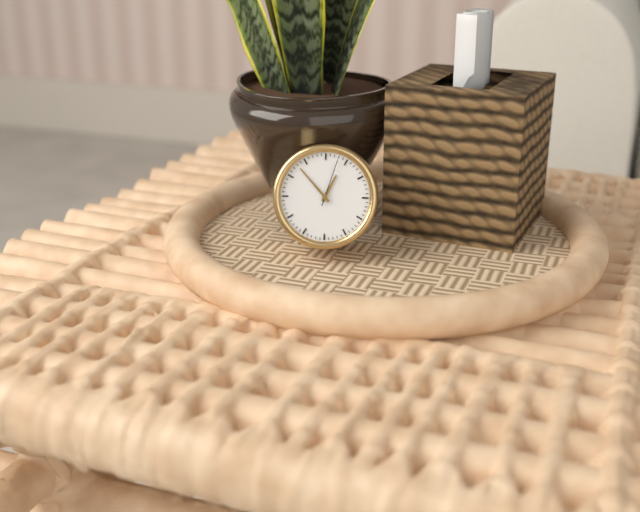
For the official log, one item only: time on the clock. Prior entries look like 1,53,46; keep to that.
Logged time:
12,53,03
